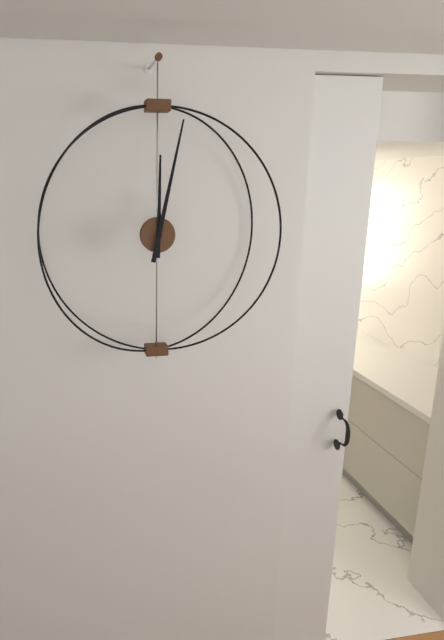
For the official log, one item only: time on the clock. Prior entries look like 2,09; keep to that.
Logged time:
12,02
